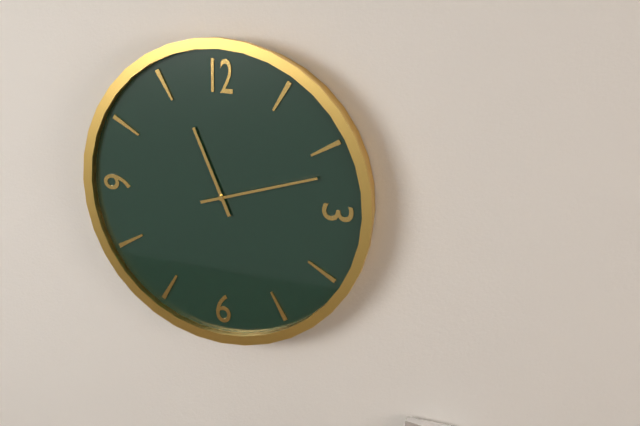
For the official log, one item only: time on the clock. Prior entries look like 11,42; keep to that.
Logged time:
11,12
